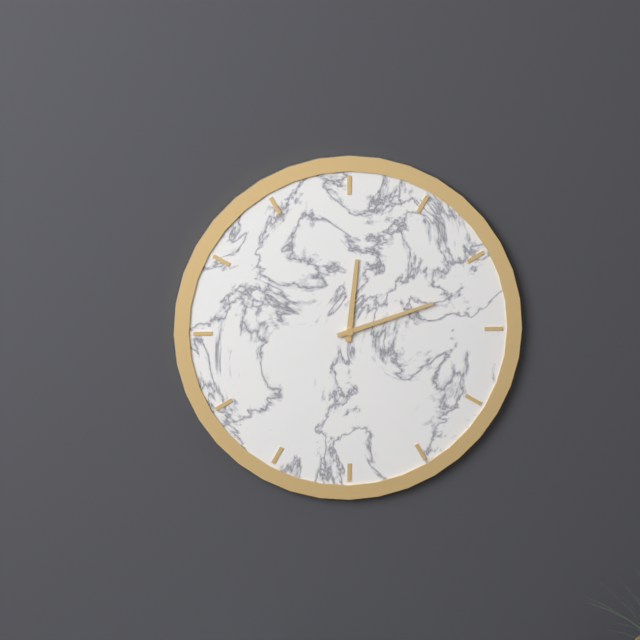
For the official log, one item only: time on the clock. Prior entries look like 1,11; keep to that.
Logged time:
12,12
